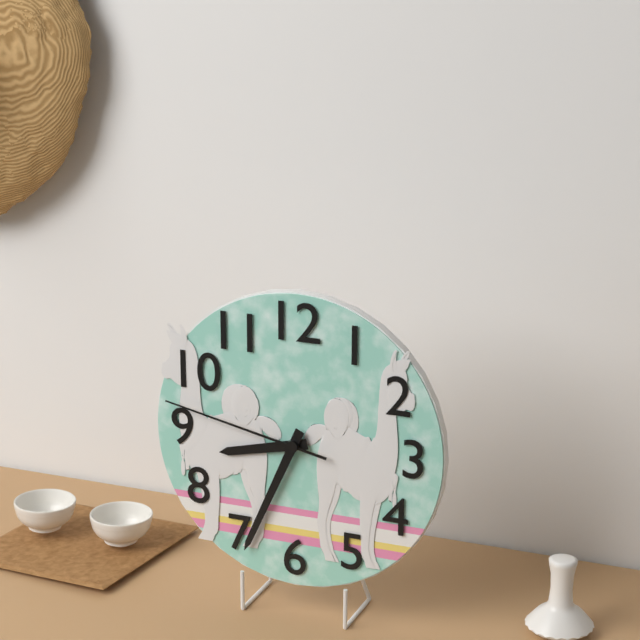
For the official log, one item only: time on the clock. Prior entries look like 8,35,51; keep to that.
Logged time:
8,34,47
